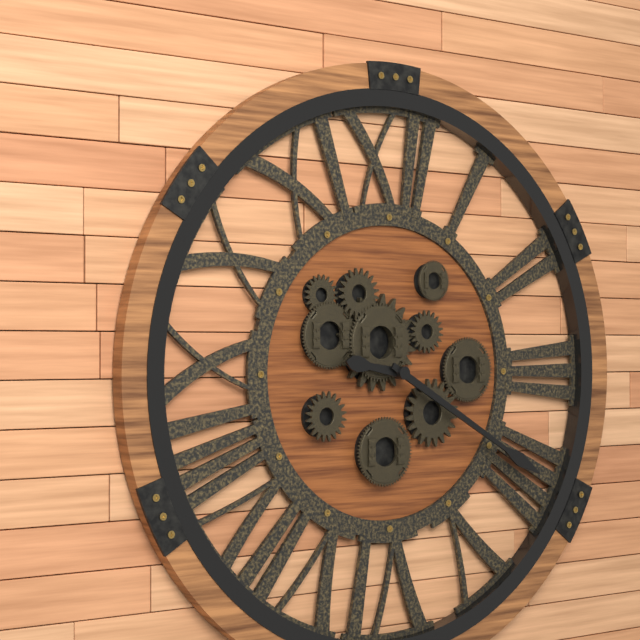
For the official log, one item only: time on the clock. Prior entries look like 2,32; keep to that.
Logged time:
9,20
